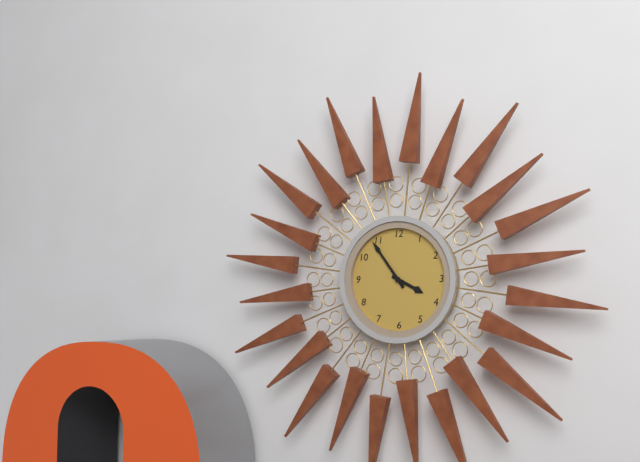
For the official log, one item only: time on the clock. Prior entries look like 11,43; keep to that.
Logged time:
3,54
